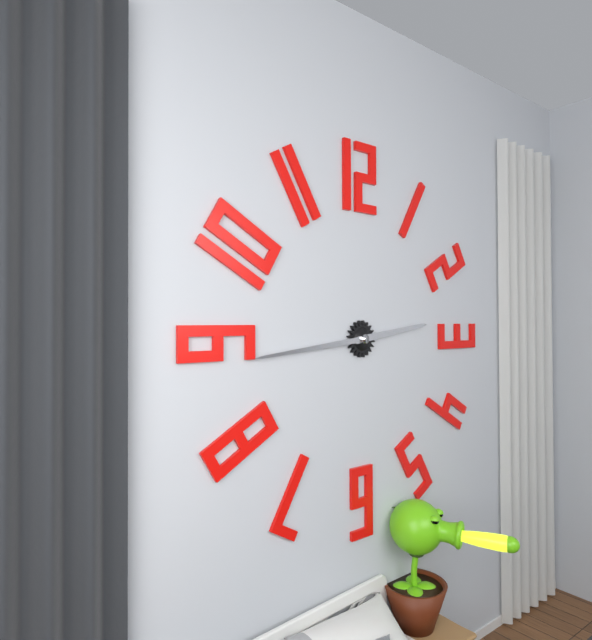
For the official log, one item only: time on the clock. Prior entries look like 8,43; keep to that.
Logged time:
2,44
